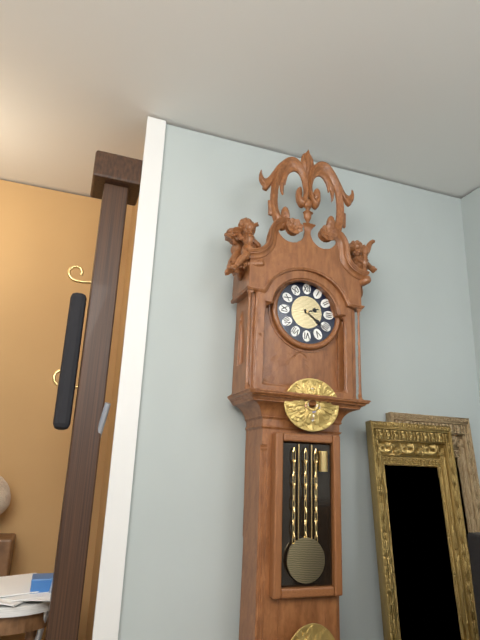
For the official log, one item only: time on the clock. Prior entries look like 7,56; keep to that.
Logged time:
2,21
